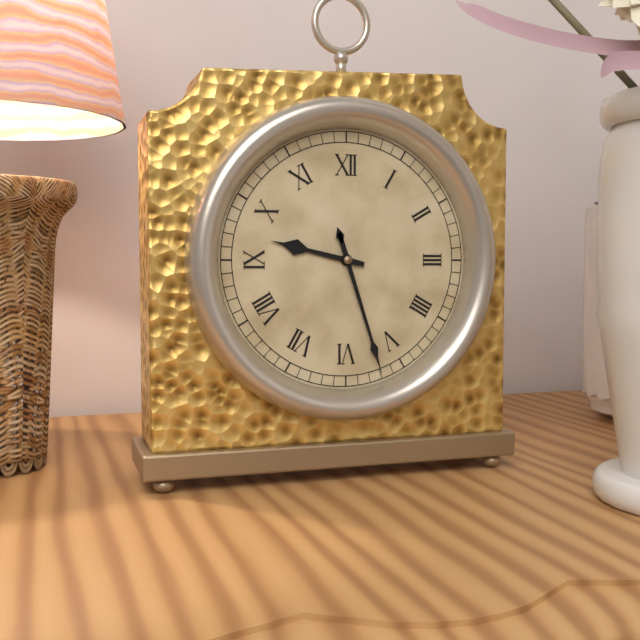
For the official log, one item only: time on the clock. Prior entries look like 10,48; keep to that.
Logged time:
9,27
